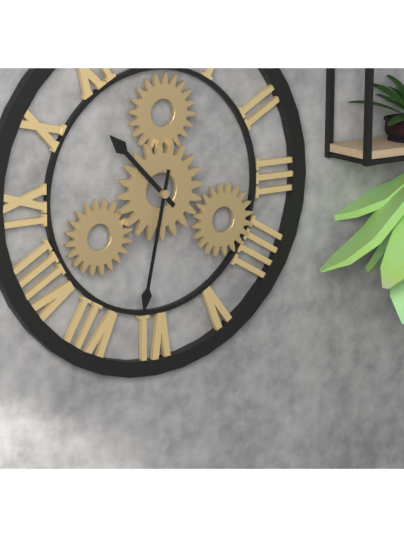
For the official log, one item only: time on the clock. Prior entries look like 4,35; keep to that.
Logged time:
10,32
